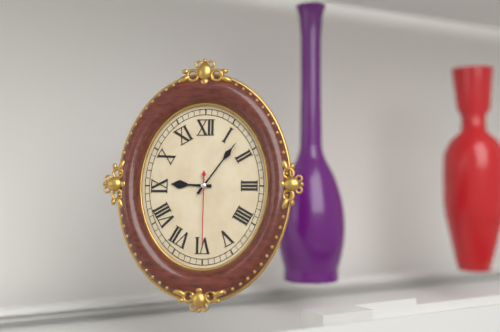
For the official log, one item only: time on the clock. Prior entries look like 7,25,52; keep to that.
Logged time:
9,06,30
